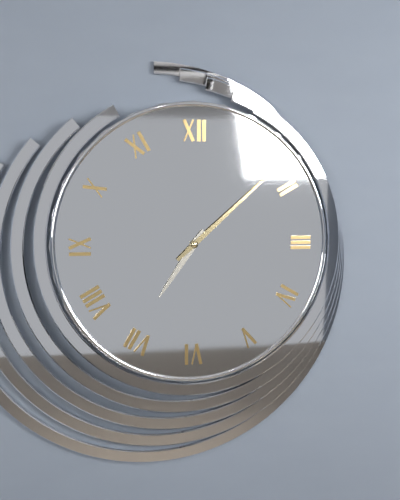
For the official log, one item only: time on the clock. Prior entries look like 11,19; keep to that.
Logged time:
7,08
